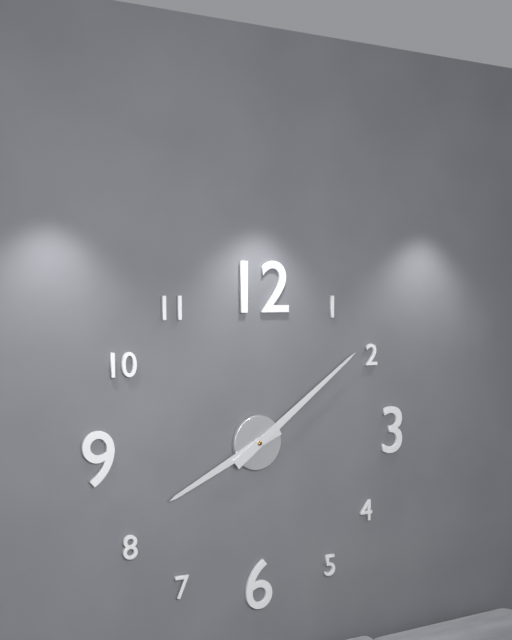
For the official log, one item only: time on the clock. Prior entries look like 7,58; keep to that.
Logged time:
8,09
